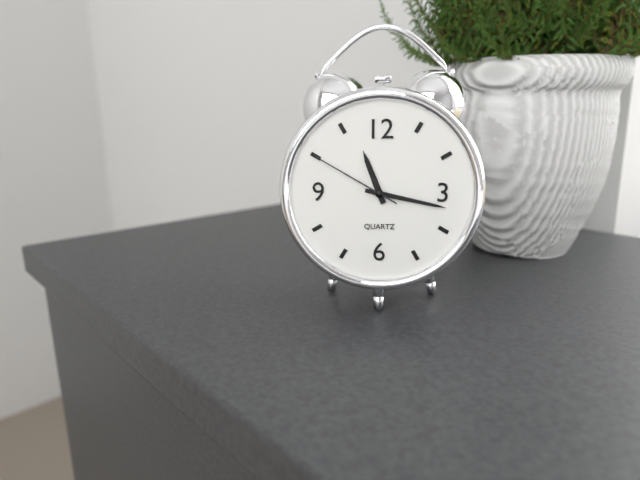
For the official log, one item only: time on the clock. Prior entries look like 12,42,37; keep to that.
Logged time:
11,17,50
